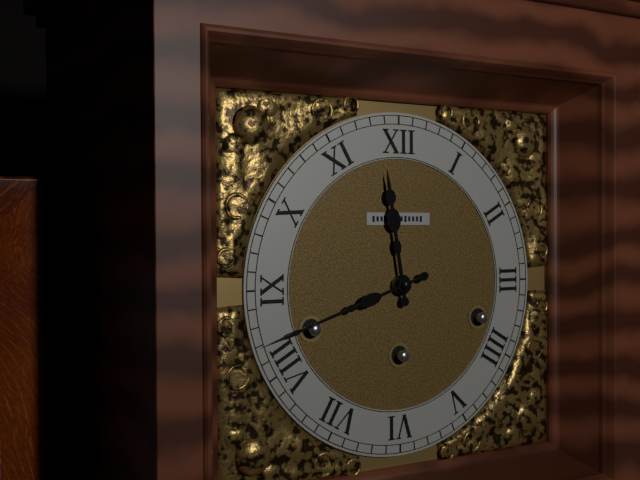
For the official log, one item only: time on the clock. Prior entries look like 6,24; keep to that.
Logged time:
11,42
